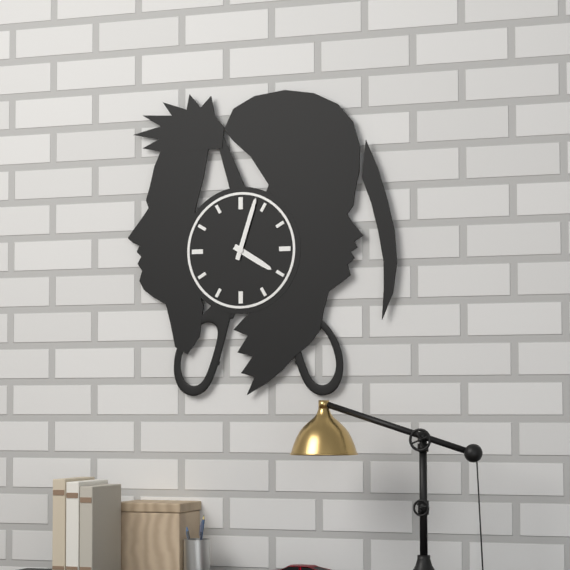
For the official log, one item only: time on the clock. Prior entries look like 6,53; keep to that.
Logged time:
4,03
